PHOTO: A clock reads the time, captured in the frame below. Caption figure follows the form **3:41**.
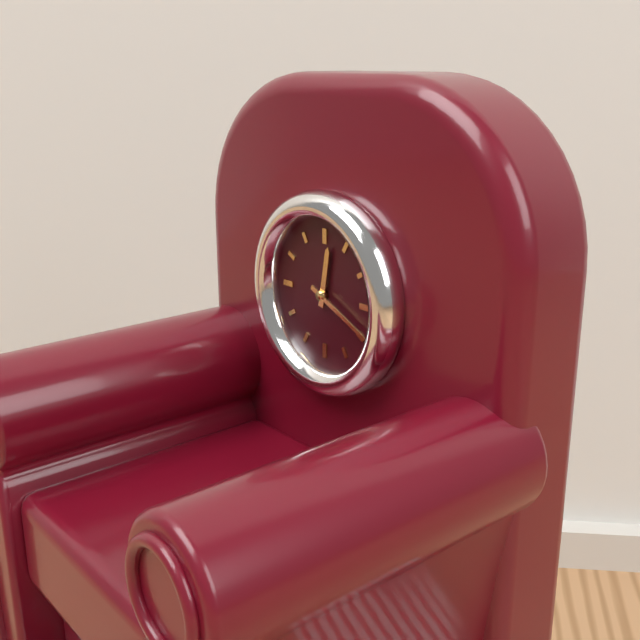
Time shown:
**12:19**
